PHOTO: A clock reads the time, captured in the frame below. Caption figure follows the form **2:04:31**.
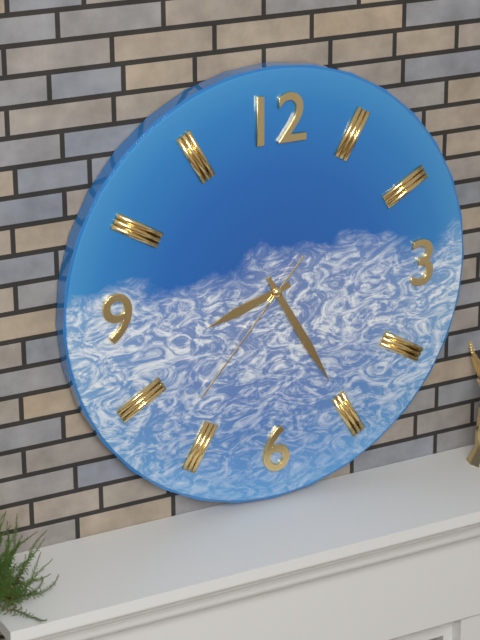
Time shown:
**8:25:37**
